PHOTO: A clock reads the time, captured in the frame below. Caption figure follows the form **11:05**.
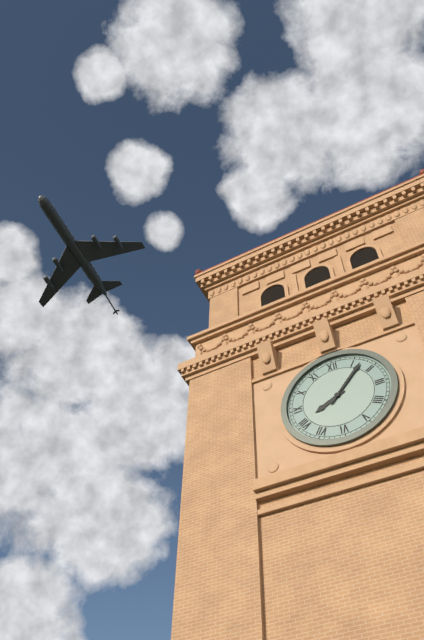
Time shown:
**8:07**
